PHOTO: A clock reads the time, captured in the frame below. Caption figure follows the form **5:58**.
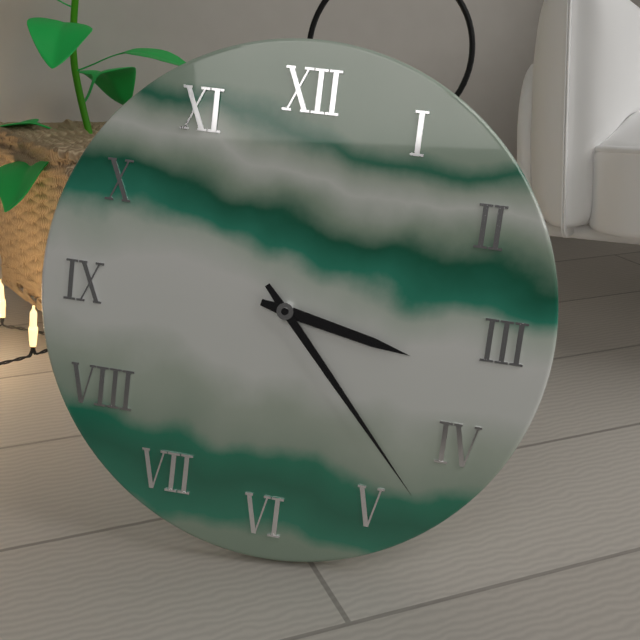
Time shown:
**3:23**
